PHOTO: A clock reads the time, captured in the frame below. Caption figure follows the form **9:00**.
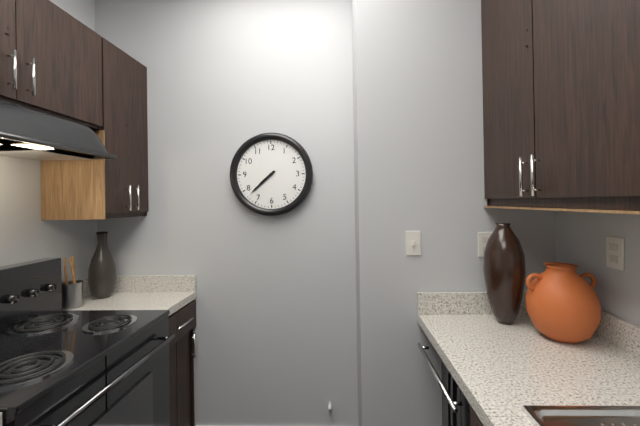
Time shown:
**7:38**
